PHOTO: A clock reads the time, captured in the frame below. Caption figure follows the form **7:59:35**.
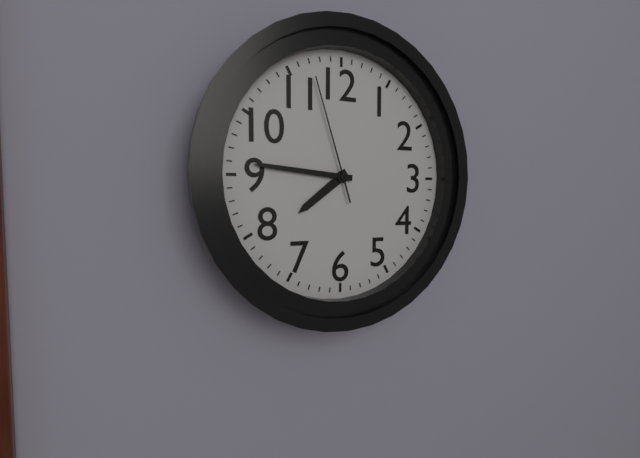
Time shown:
**7:46:57**
